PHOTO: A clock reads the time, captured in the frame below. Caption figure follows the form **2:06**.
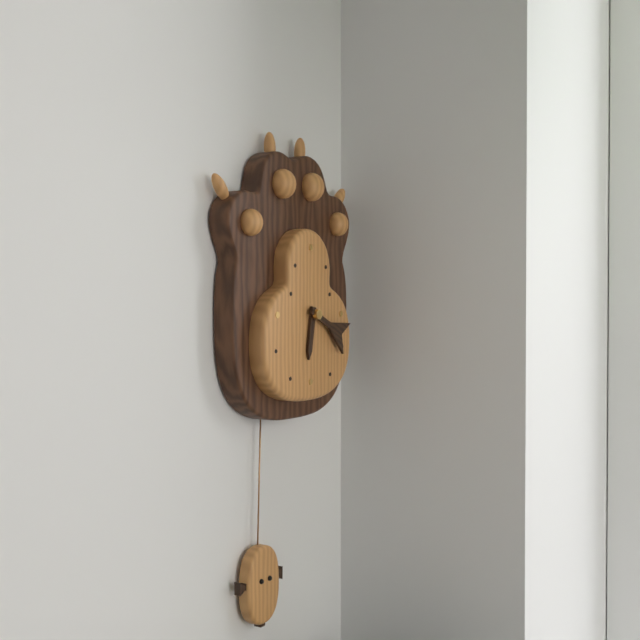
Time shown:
**6:19**
